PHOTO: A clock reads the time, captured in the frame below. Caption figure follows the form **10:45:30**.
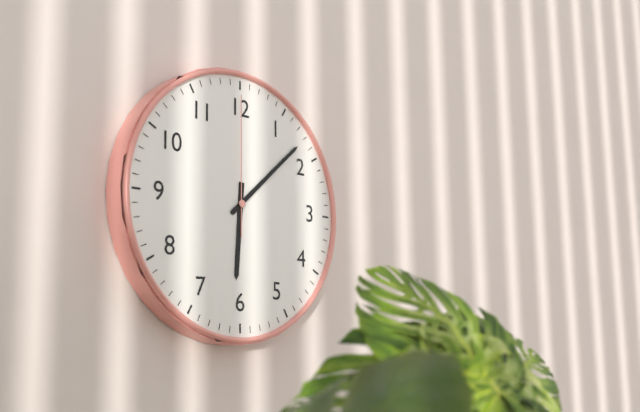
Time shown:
**6:08:00**
